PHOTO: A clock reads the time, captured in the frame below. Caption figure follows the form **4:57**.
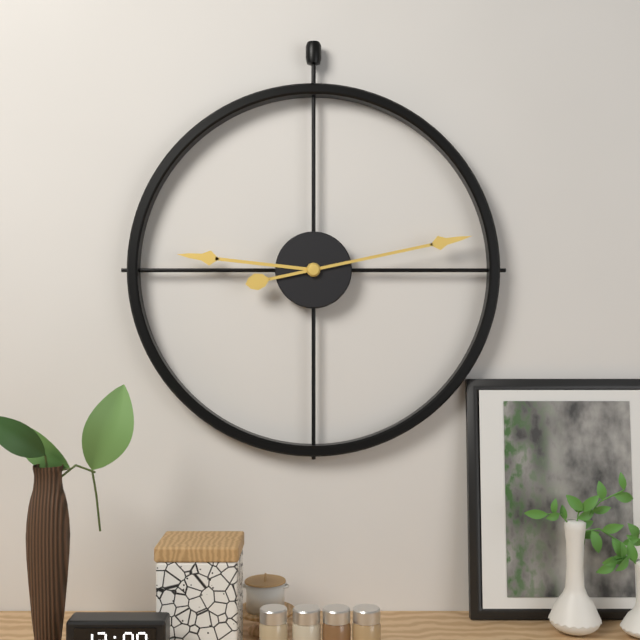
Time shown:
**9:13**
